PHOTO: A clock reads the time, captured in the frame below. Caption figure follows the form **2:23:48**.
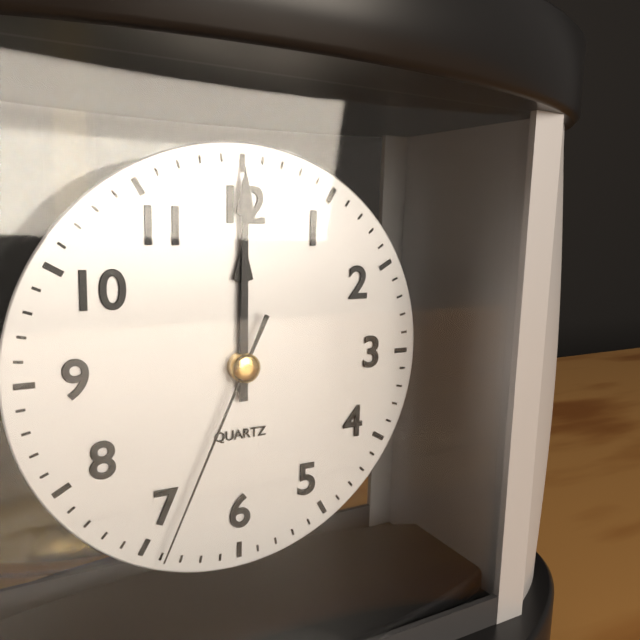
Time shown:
**12:00:34**
